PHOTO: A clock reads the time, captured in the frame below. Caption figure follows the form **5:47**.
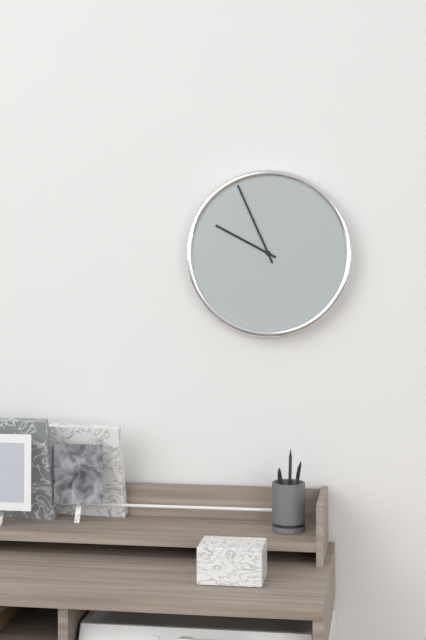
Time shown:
**9:56**
